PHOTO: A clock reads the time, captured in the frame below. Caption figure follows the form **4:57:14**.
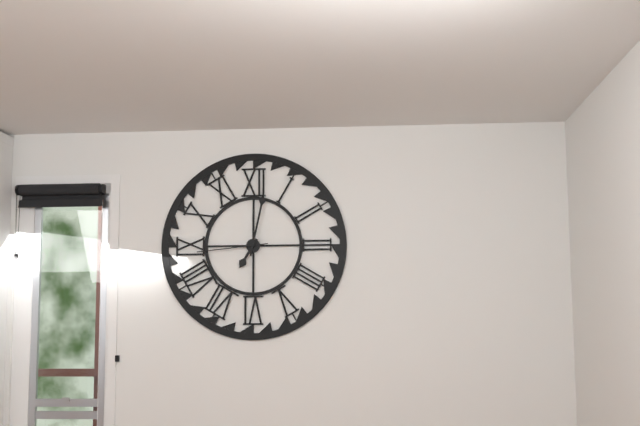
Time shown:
**7:02:44**
